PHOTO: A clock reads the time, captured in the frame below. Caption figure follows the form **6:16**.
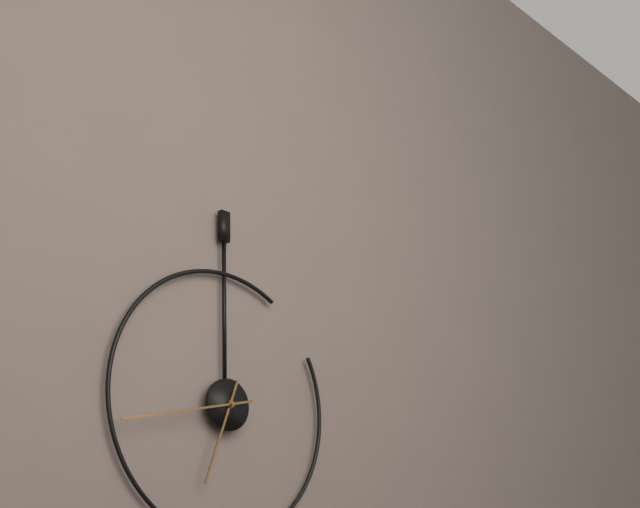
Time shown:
**6:43**
